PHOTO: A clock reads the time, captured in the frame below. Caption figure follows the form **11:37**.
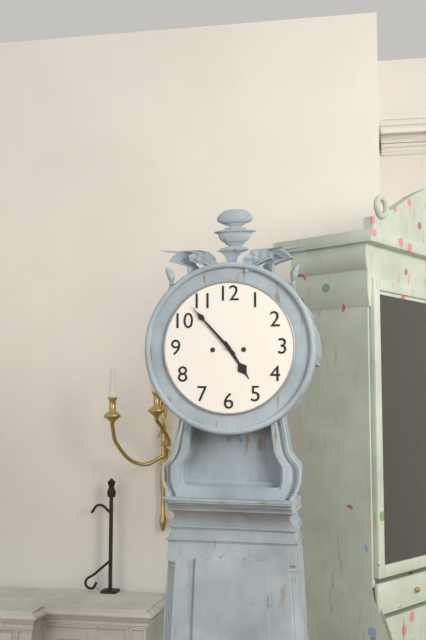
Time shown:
**4:53**
